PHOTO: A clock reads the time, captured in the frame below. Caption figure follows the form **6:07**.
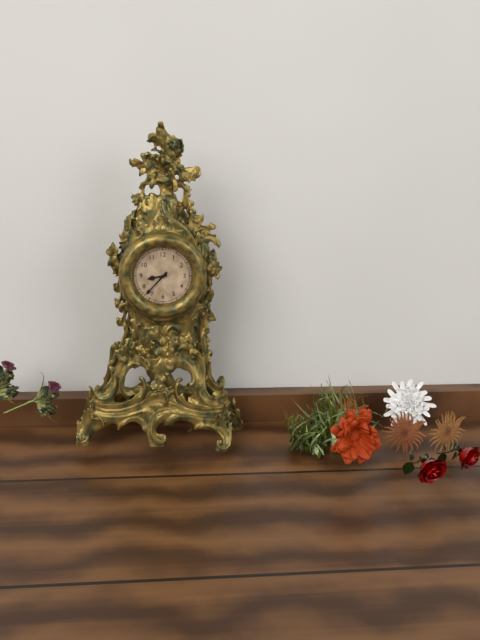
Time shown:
**8:37**
